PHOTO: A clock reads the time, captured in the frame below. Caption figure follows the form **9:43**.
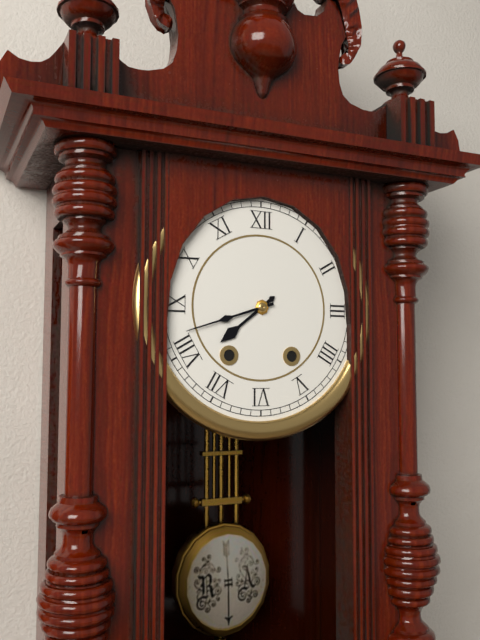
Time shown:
**7:42**
